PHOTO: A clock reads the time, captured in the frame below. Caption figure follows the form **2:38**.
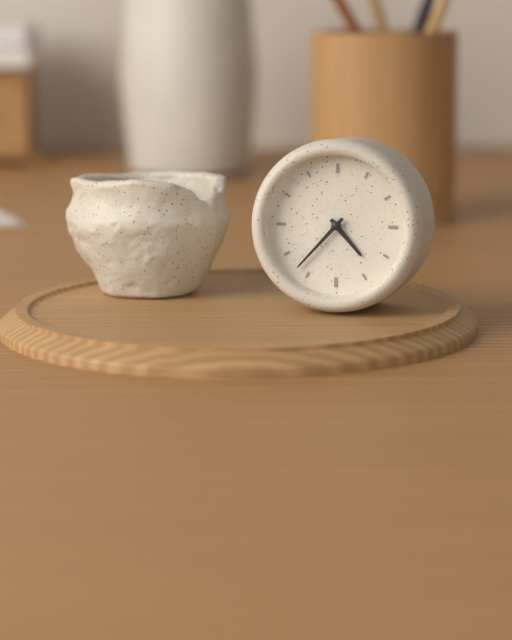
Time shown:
**4:37**
